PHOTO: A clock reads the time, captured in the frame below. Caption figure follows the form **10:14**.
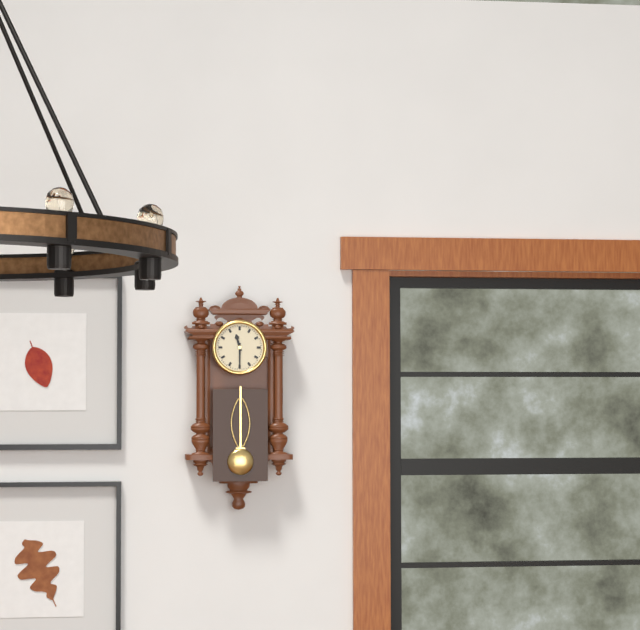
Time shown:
**11:30**
